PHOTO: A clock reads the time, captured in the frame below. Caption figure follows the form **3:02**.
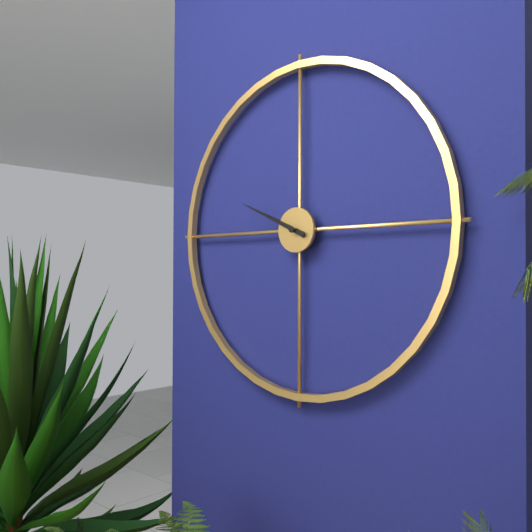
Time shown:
**9:49**
